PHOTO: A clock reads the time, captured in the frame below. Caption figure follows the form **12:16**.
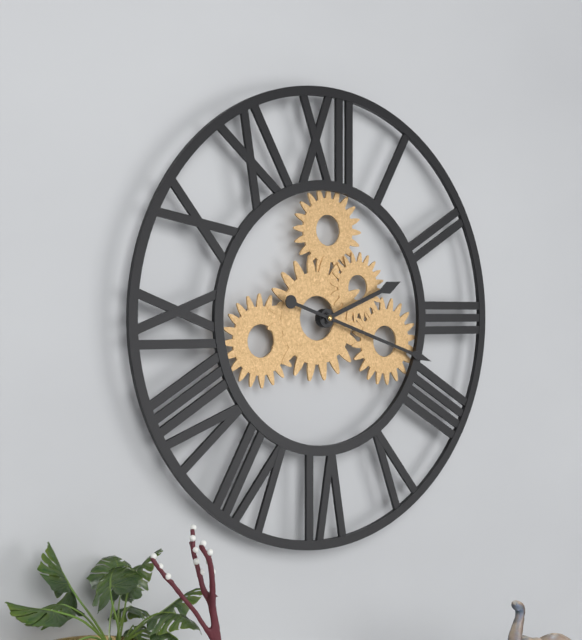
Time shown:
**2:18**
